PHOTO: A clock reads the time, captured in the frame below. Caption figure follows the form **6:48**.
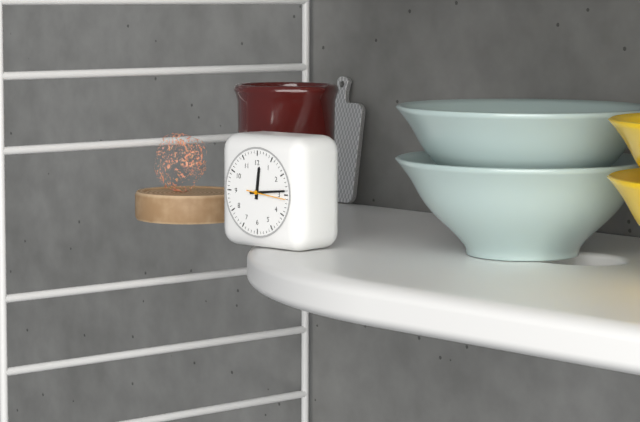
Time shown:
**12:14**
